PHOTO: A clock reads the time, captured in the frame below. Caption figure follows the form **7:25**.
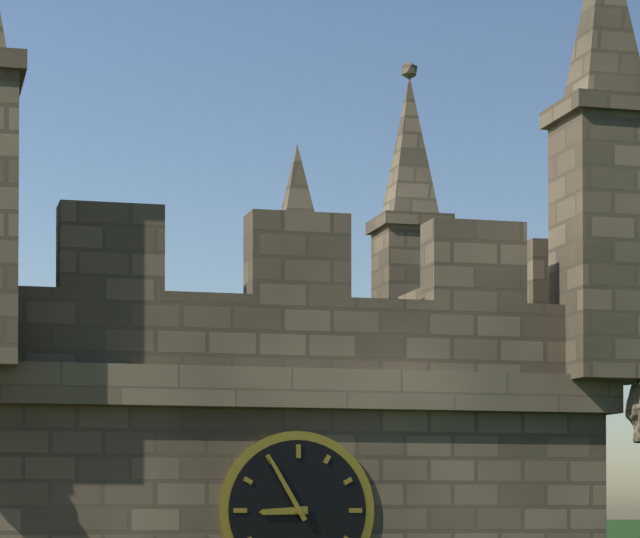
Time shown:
**8:55**
